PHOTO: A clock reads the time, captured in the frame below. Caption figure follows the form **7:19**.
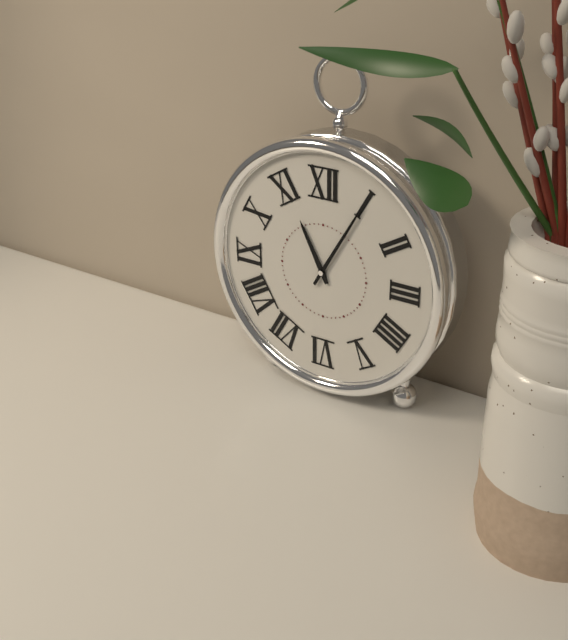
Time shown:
**11:05**
